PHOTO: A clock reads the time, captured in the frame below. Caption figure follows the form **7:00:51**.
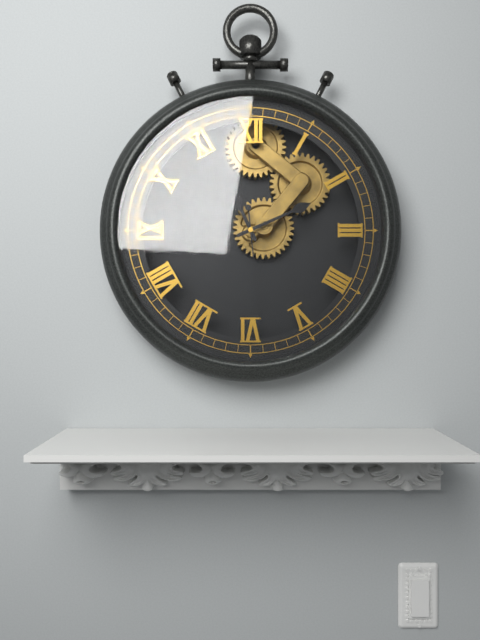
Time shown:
**11:11:29**
